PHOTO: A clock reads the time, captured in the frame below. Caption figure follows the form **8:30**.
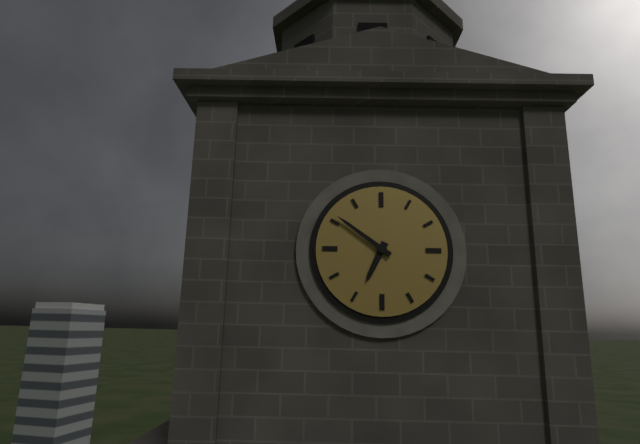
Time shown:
**6:51**
